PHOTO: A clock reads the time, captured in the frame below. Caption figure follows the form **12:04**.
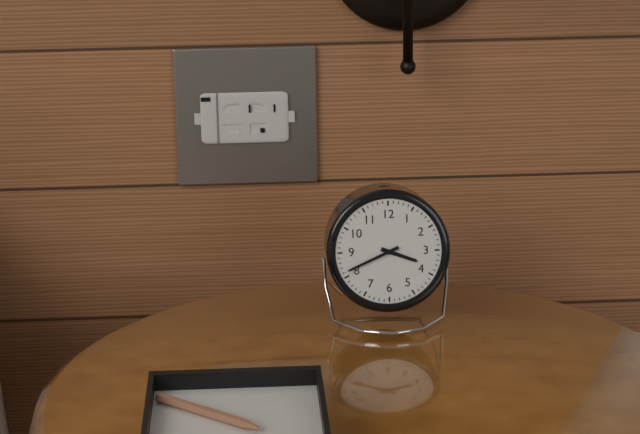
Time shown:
**3:41**
